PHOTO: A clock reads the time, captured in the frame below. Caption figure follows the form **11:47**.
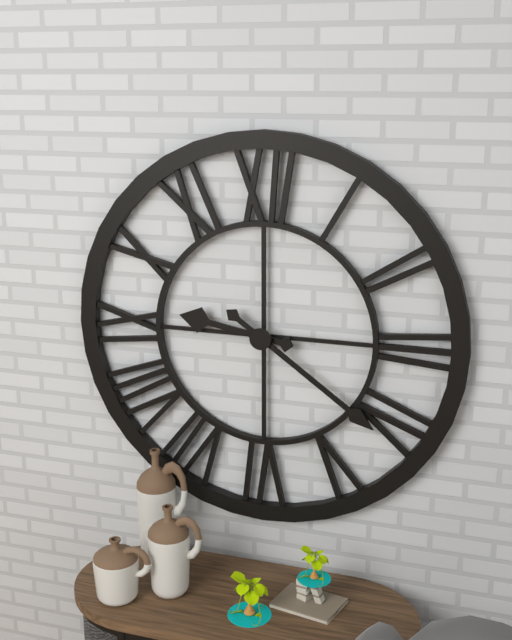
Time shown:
**9:21**
